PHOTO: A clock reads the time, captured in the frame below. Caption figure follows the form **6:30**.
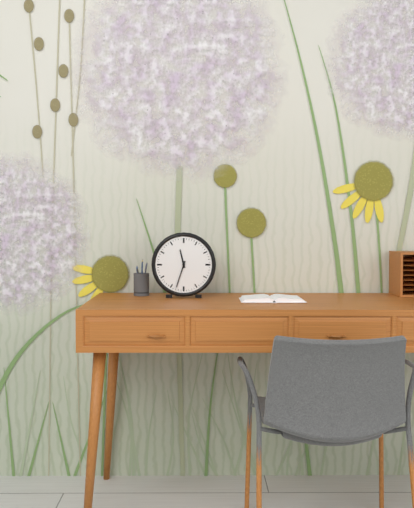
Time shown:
**11:33**
